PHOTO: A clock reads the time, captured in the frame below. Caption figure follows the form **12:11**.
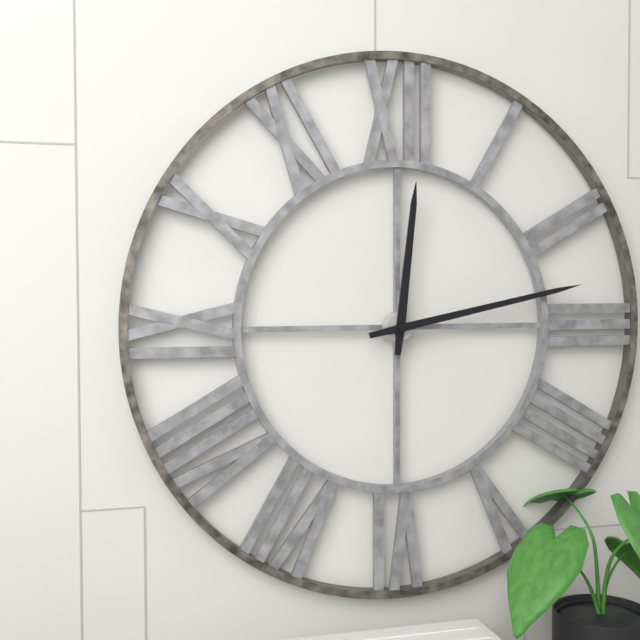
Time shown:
**12:13**
